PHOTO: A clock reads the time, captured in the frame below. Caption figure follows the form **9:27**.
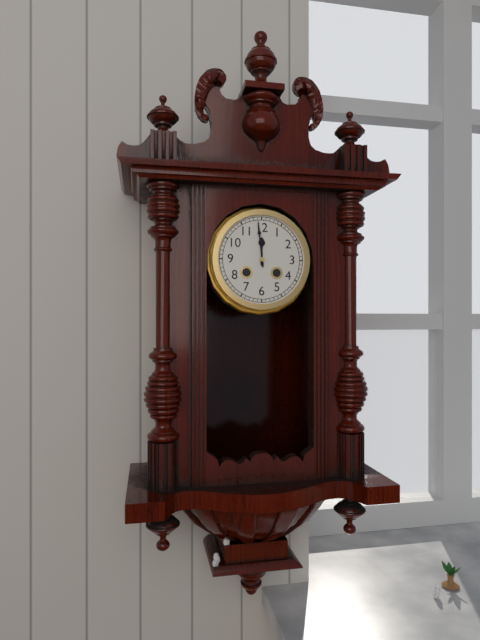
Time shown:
**11:59**
